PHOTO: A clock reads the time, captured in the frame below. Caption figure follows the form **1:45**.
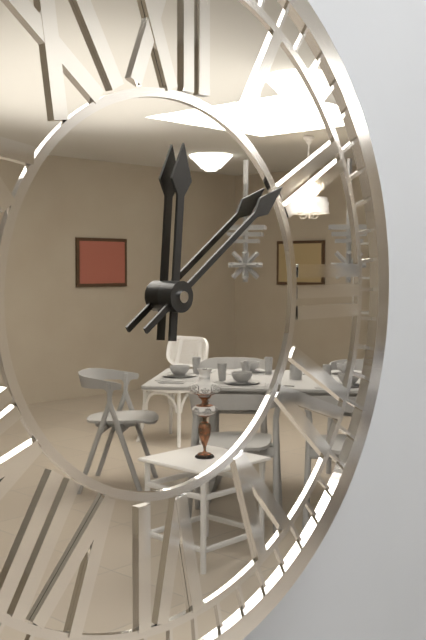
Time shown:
**12:09**
